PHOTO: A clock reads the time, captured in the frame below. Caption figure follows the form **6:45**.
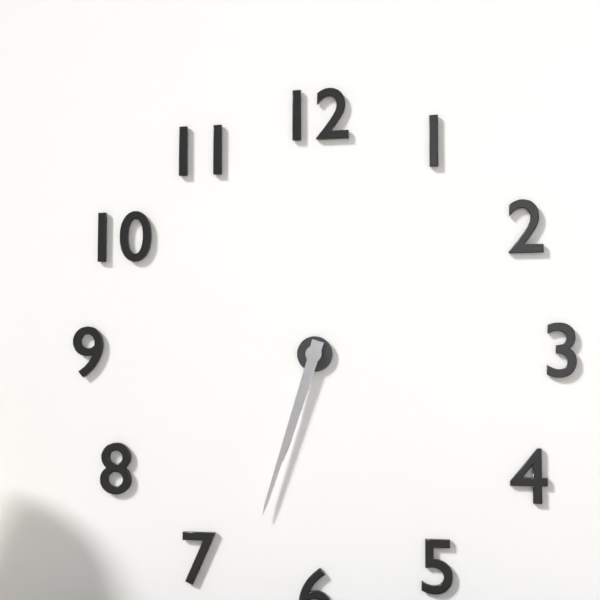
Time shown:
**6:33**
